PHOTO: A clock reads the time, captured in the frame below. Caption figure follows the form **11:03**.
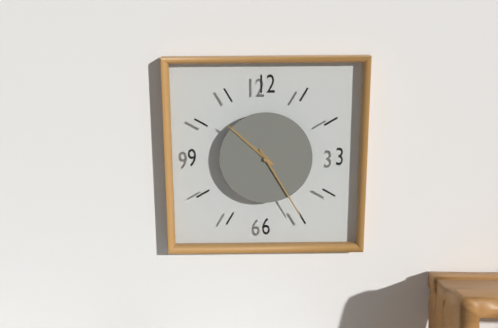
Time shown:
**10:25**
